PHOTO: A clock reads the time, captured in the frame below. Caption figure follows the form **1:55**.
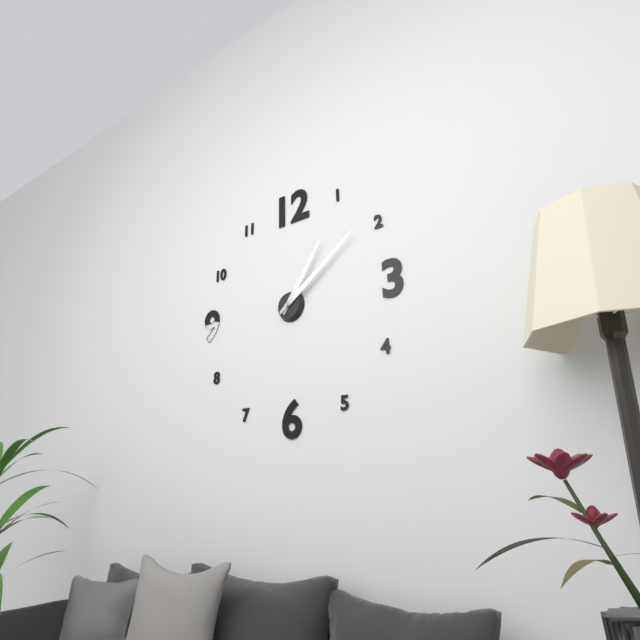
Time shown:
**1:09**
